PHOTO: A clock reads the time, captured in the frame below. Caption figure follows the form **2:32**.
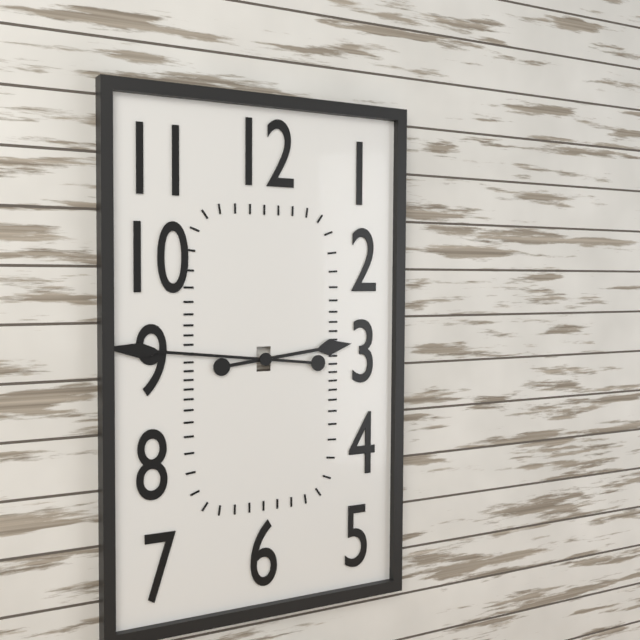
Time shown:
**2:46**
